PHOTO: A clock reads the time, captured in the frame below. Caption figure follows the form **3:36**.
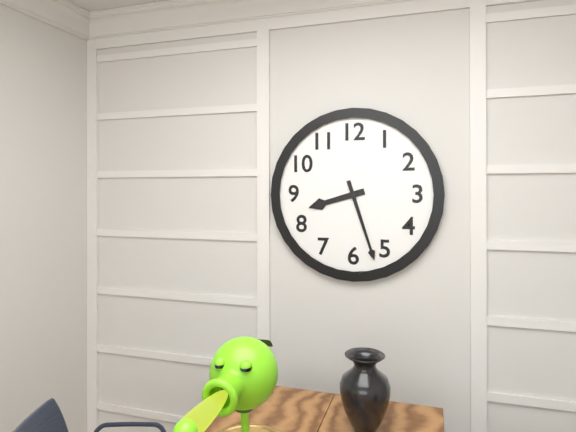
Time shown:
**8:27**
